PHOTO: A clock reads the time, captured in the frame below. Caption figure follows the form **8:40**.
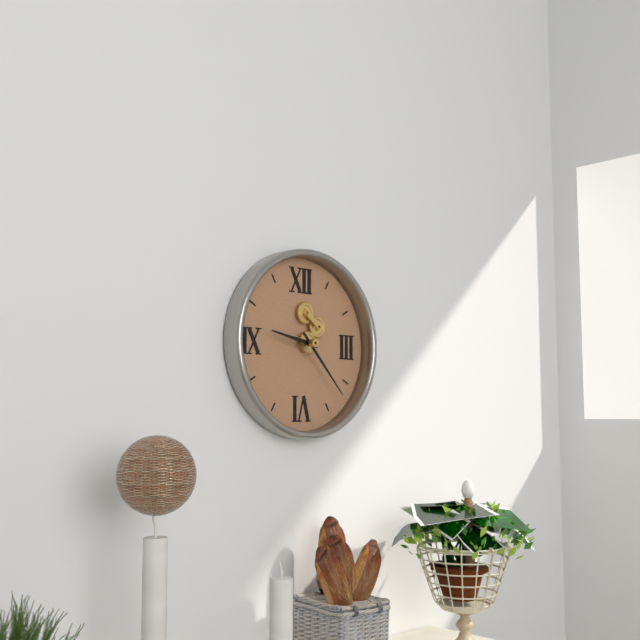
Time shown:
**9:23**
